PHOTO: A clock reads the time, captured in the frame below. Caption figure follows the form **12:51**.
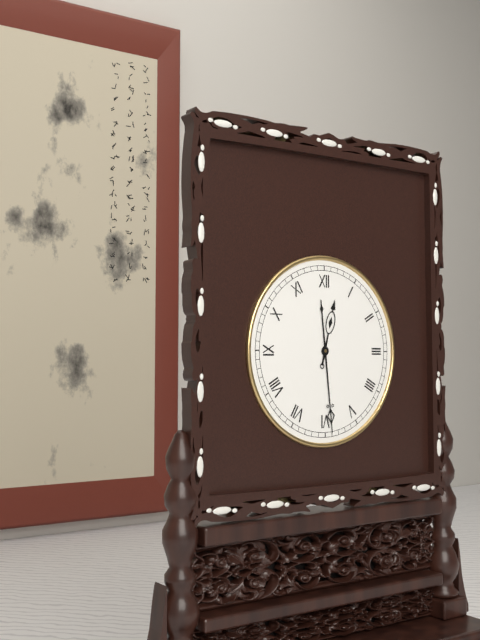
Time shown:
**12:29**
